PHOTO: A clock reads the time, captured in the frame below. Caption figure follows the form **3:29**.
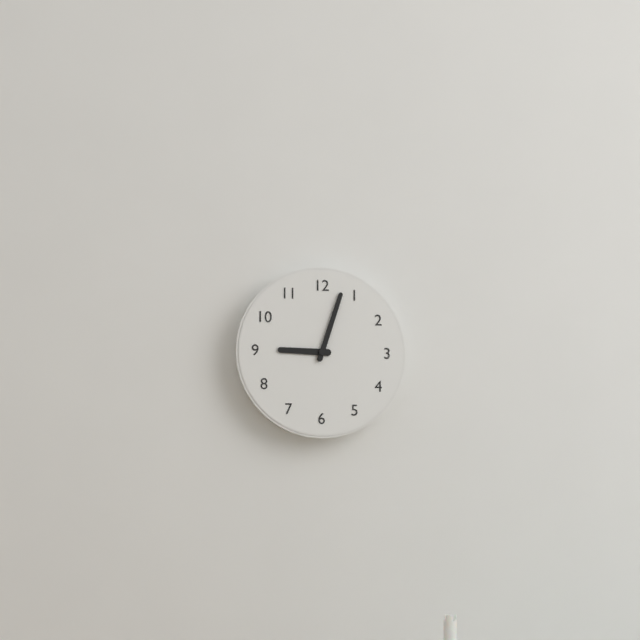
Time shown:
**9:03**
